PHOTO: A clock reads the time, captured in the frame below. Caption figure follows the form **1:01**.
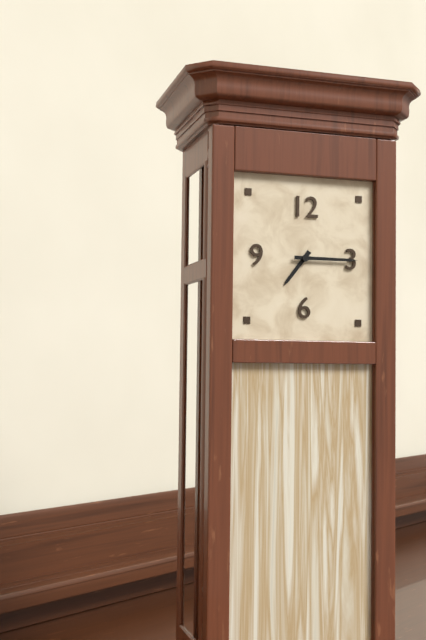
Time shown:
**7:15**
